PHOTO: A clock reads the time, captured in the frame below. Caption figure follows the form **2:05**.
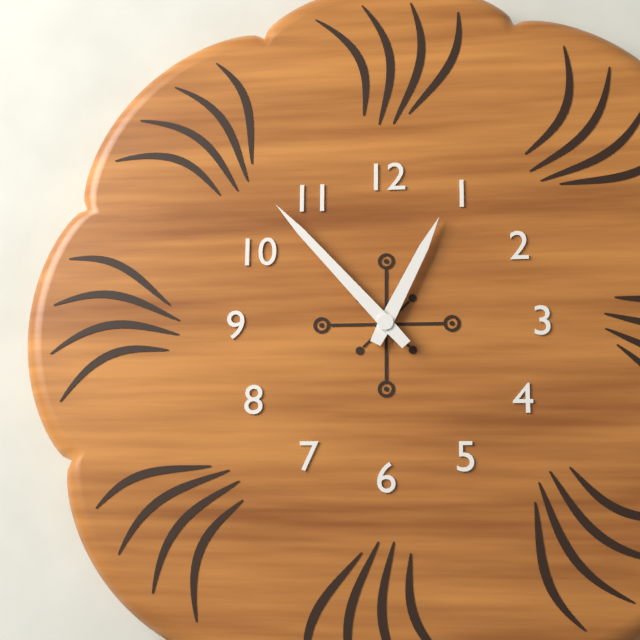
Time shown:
**12:53**
